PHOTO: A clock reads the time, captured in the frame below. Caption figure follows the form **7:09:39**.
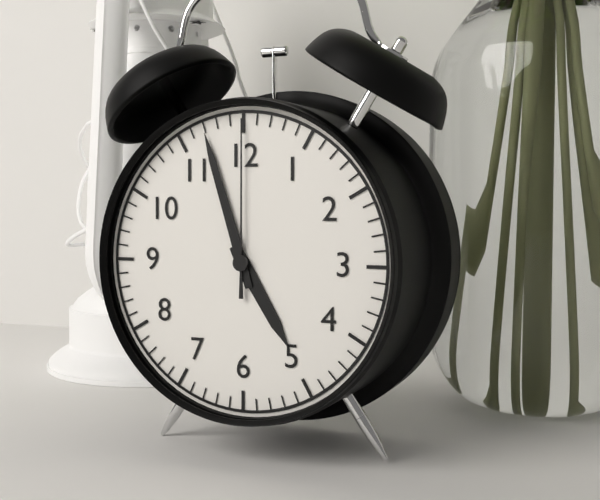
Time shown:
**4:57:00**
